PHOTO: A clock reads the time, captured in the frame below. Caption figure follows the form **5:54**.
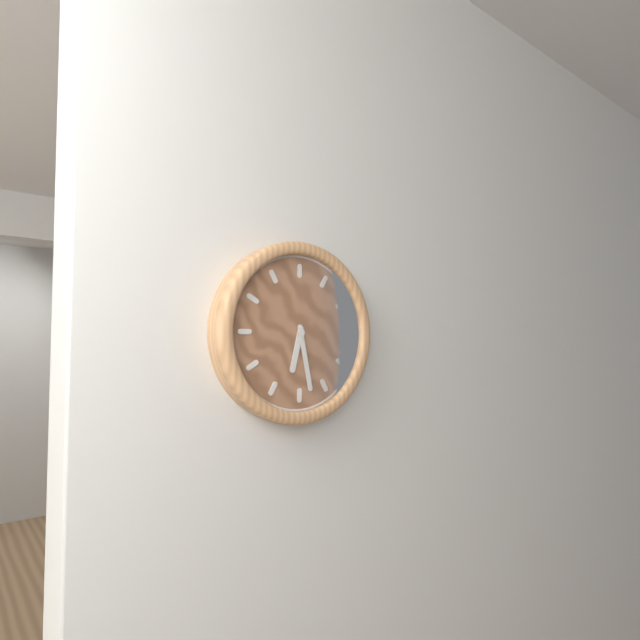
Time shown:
**6:28**
